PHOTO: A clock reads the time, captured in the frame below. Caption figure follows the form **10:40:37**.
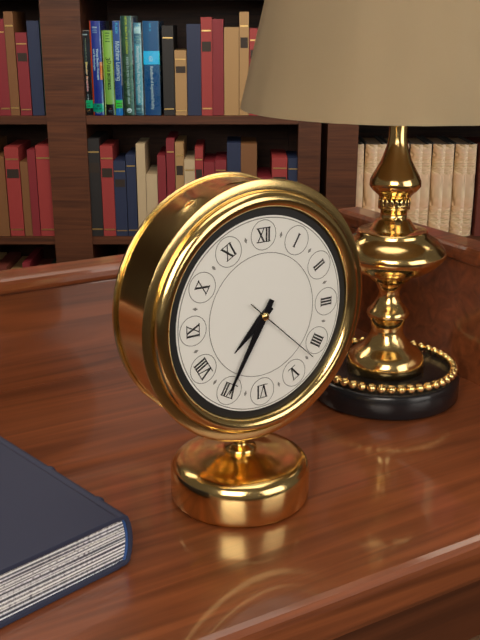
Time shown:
**7:35:22**
